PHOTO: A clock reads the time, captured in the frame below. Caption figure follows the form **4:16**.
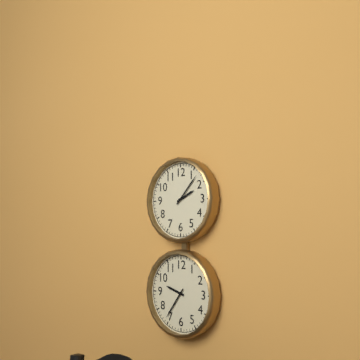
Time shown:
**2:07**
